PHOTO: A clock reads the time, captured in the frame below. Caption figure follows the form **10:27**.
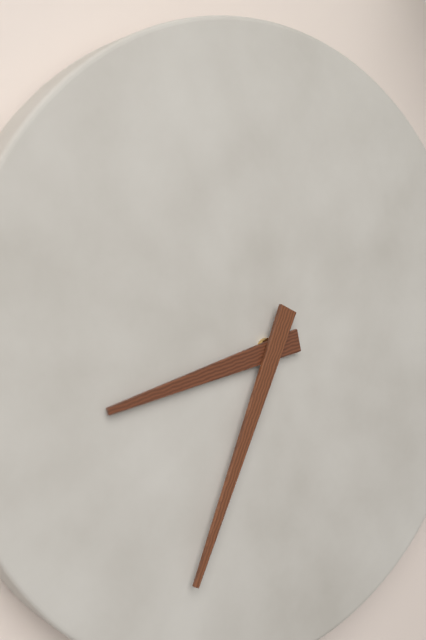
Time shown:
**8:34**
